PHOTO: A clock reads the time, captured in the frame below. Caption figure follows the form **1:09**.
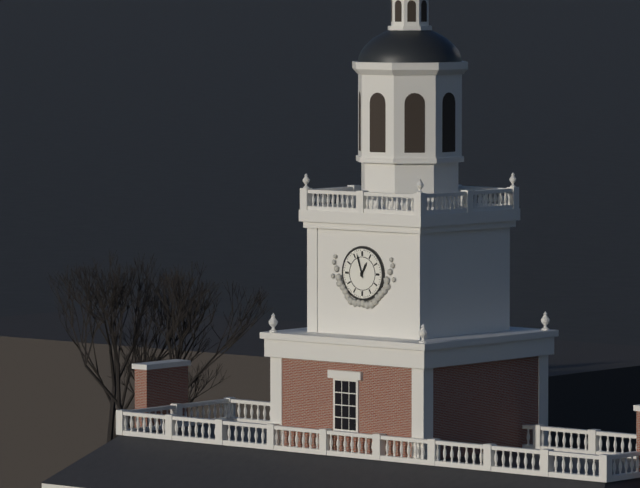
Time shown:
**12:57**
